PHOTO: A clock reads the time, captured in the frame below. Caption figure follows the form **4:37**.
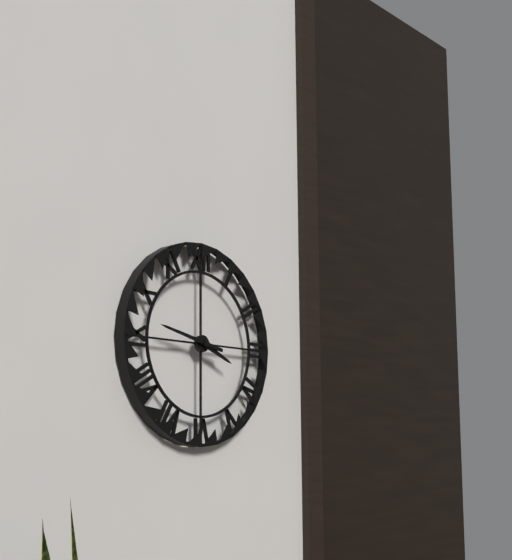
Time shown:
**3:47**
